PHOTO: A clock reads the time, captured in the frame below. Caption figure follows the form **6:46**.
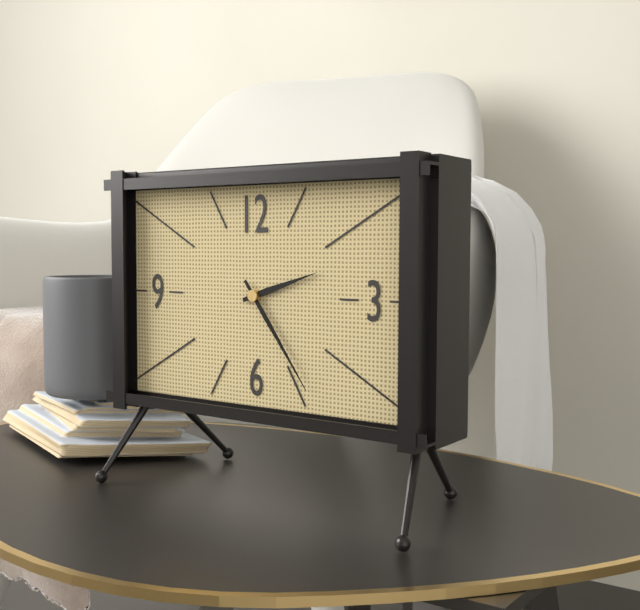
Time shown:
**2:24**
